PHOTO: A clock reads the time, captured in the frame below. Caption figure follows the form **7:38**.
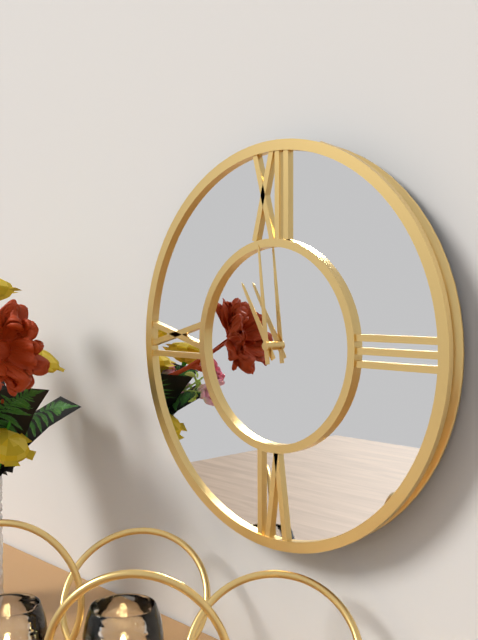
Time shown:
**10:59**
